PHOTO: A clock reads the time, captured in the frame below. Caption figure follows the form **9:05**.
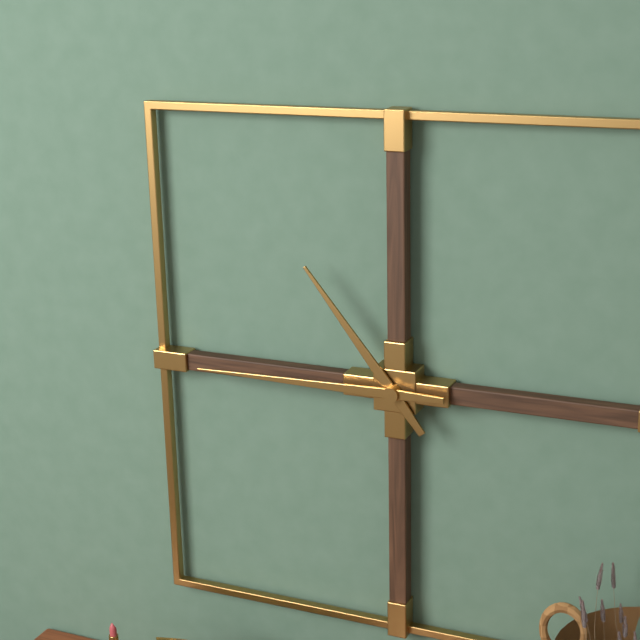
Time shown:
**10:45**
